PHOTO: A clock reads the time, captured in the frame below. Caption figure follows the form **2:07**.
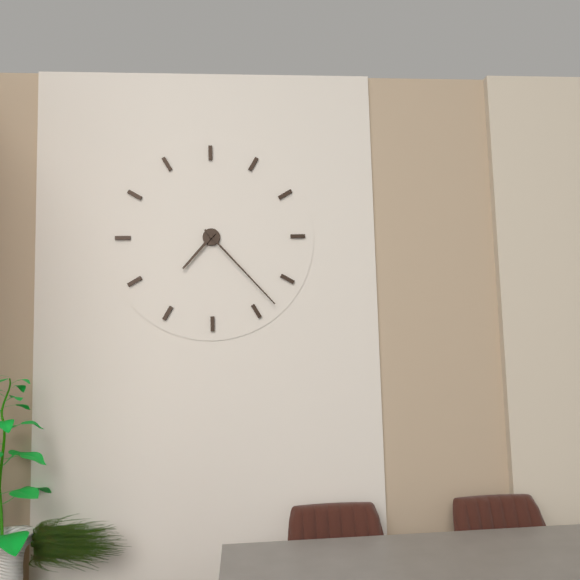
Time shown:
**7:23**
